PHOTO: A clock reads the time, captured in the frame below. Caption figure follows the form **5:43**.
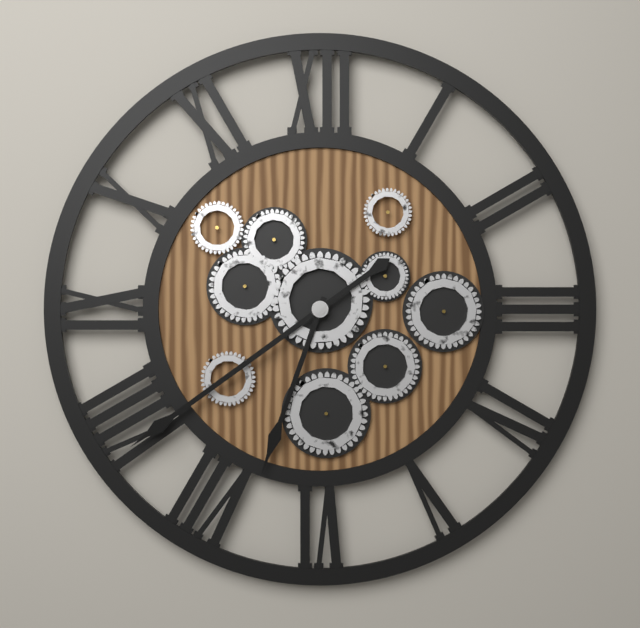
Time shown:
**6:39**
